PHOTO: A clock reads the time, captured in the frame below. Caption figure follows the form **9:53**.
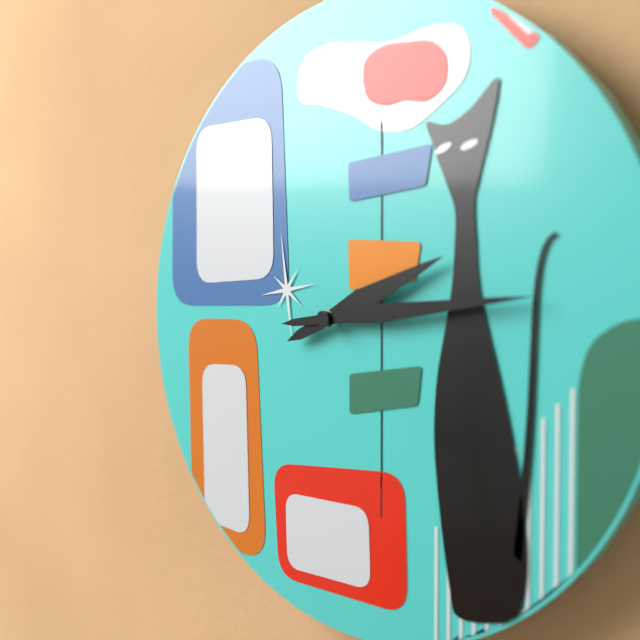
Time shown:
**2:14**
